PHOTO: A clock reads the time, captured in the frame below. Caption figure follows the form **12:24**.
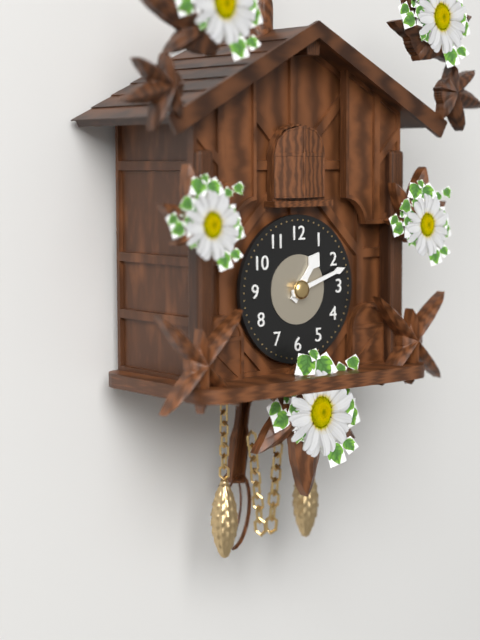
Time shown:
**1:12**
